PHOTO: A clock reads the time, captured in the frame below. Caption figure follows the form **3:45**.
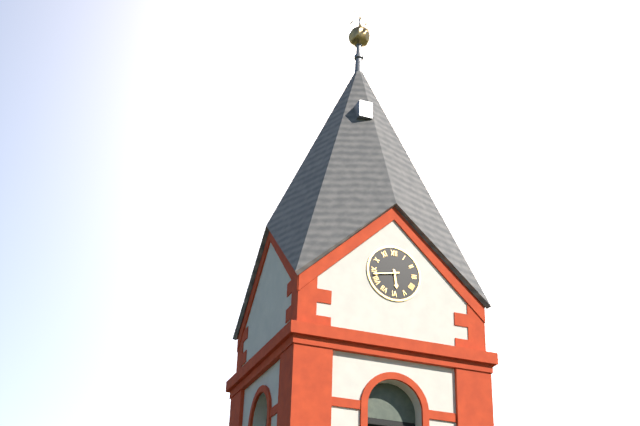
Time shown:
**5:43**
